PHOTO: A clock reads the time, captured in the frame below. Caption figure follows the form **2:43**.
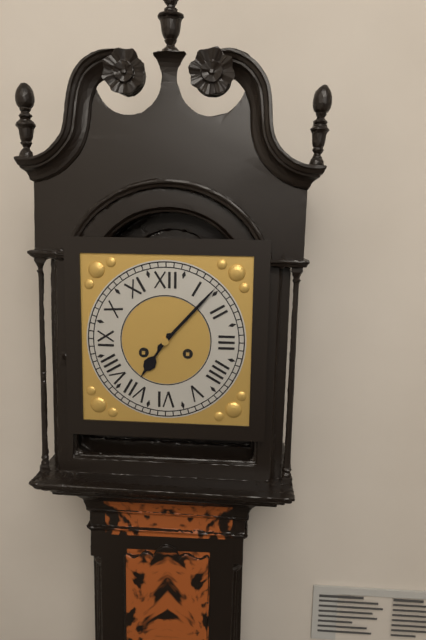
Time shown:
**7:07**
